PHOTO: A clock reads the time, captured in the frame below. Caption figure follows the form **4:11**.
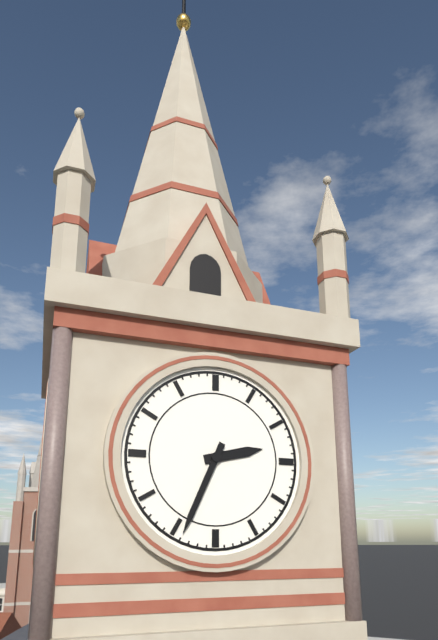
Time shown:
**2:34**
